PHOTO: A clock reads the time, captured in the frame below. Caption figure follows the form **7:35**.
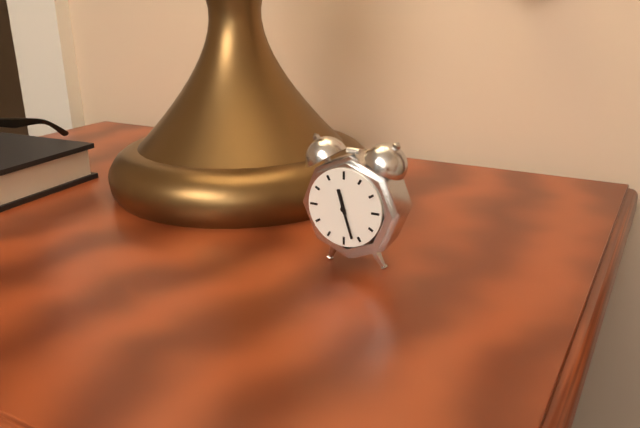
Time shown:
**11:27**
